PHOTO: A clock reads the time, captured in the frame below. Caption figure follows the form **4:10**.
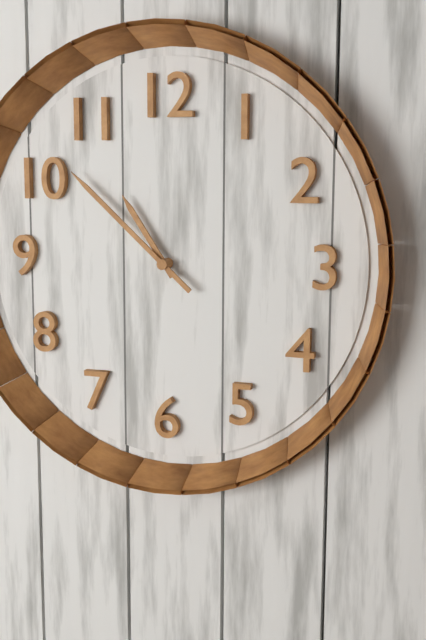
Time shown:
**10:52**
